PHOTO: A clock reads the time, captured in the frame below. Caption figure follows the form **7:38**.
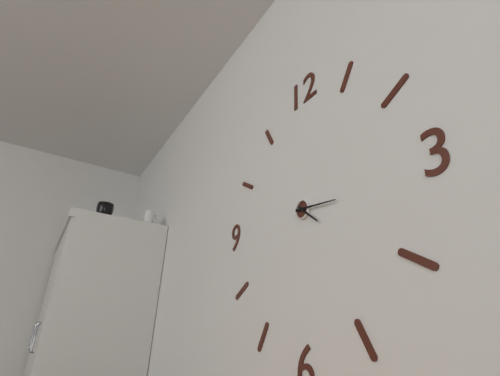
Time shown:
**4:16**
